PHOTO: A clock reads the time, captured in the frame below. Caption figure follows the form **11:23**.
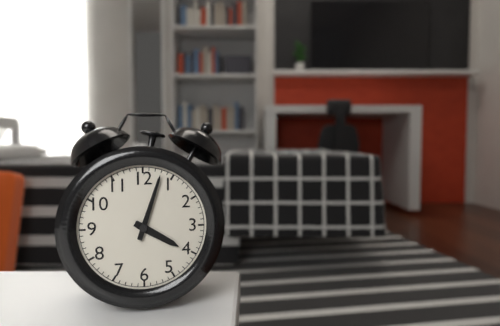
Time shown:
**4:03**
